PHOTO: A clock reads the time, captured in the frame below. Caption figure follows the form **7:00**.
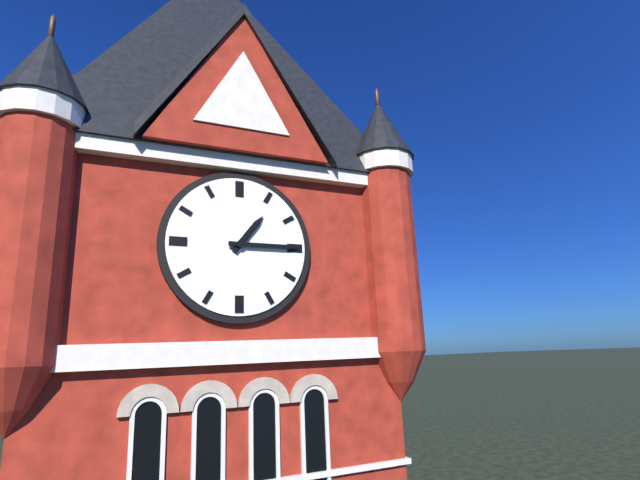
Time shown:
**1:15**
